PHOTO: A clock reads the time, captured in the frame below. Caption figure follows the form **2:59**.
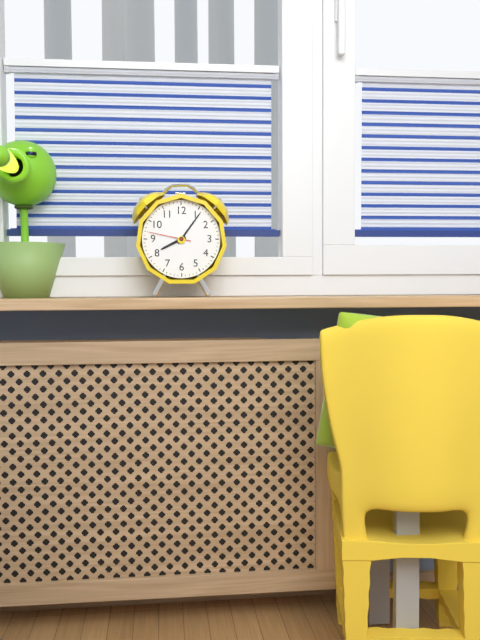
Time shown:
**8:06**
